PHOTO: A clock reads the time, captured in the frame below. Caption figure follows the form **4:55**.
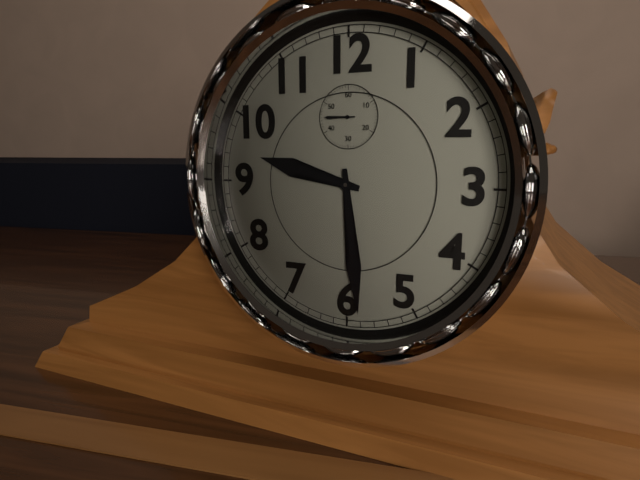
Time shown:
**9:29**
